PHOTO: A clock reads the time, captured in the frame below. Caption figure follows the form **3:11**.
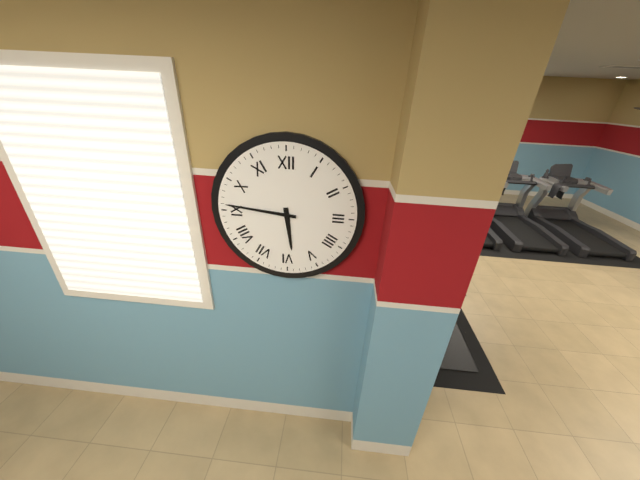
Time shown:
**5:46**
